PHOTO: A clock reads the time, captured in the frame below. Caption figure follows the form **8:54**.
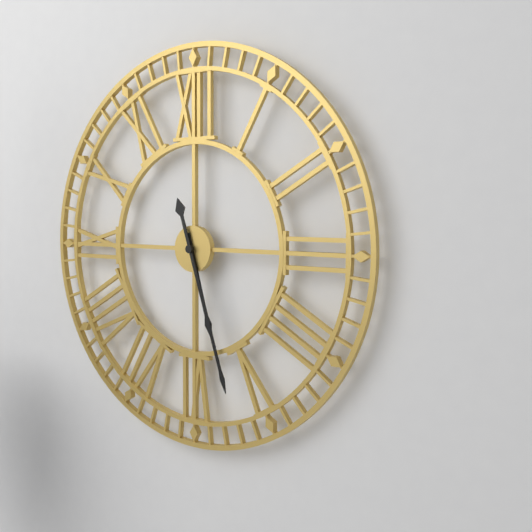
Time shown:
**5:27**
